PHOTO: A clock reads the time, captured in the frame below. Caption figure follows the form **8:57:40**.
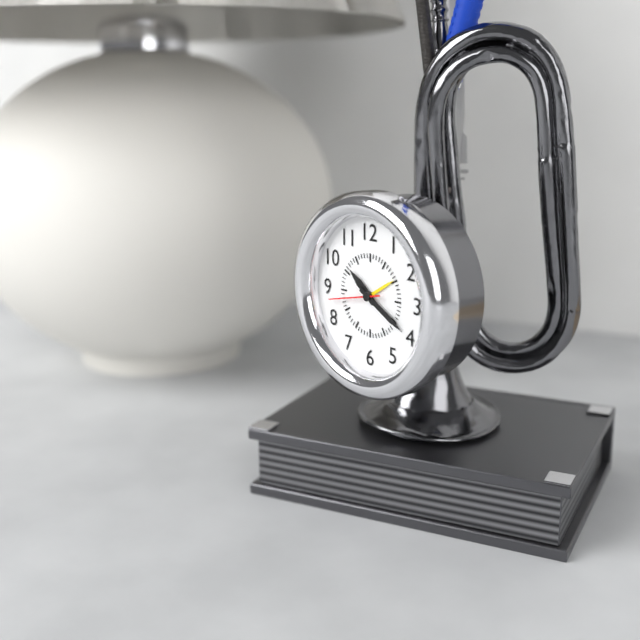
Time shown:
**10:20:43**
